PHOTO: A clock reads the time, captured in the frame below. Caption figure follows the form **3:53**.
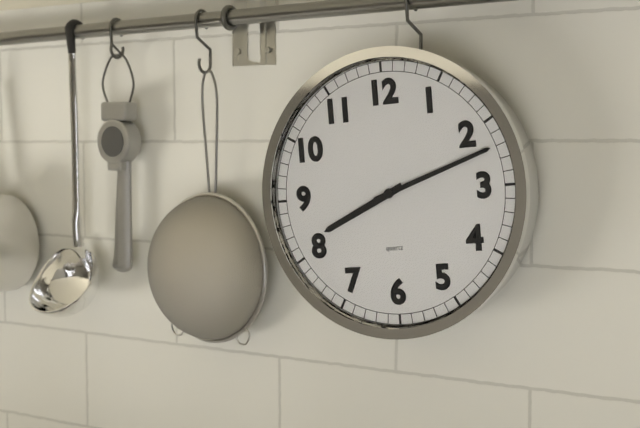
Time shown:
**8:12**
